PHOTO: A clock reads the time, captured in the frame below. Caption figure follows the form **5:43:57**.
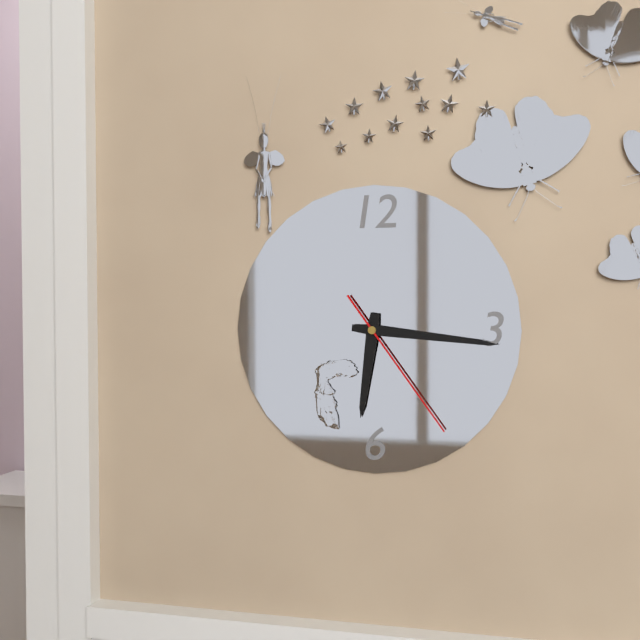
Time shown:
**6:16:24**
